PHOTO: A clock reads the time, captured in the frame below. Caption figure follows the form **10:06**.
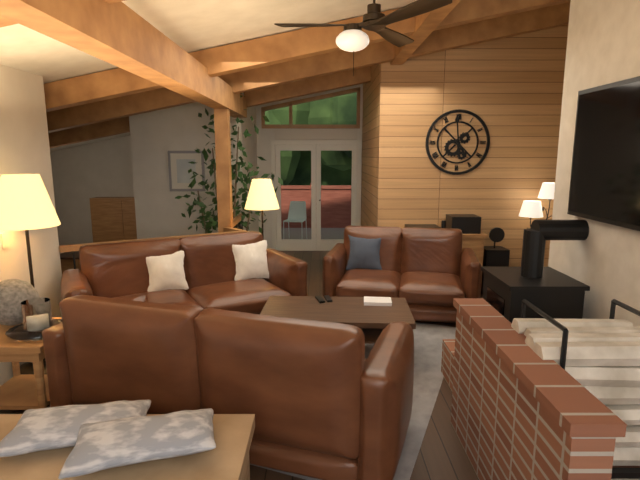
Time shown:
**4:59**
